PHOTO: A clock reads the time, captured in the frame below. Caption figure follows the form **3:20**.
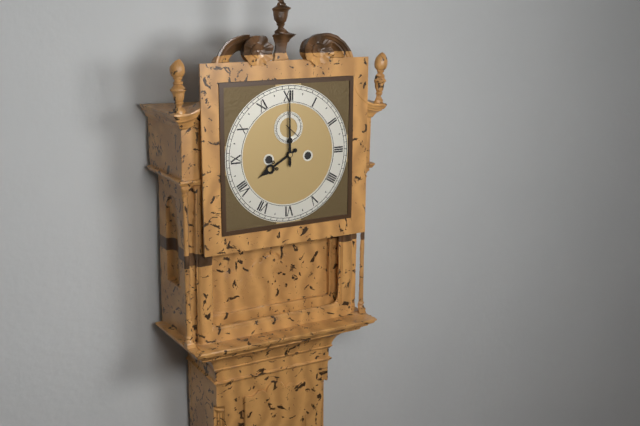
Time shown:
**8:00**
